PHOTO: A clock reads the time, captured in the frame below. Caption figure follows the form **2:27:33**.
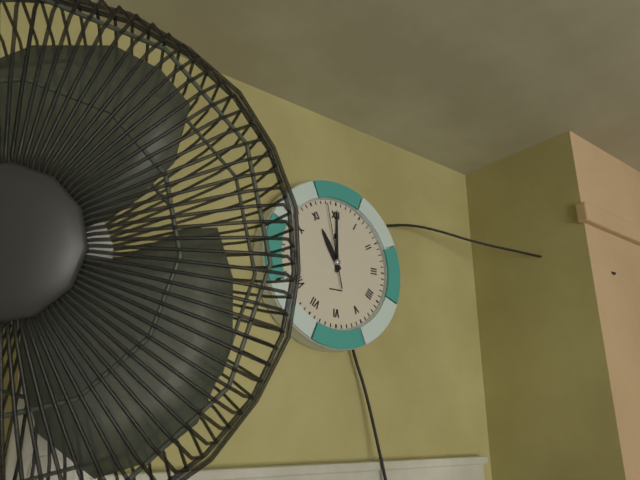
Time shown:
**11:00:58**
